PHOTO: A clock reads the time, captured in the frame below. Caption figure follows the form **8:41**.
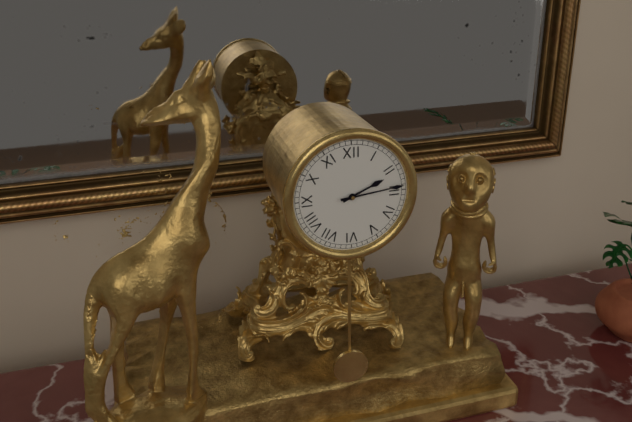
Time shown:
**2:14**
